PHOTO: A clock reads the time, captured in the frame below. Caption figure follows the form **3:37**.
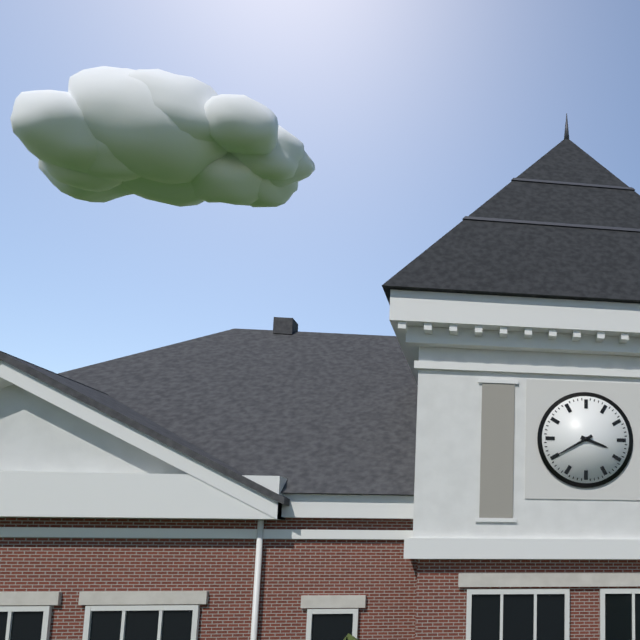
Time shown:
**3:40**
